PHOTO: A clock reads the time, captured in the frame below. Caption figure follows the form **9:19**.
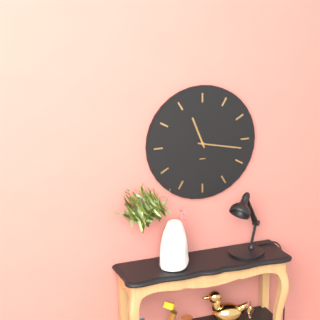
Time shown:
**11:17**
